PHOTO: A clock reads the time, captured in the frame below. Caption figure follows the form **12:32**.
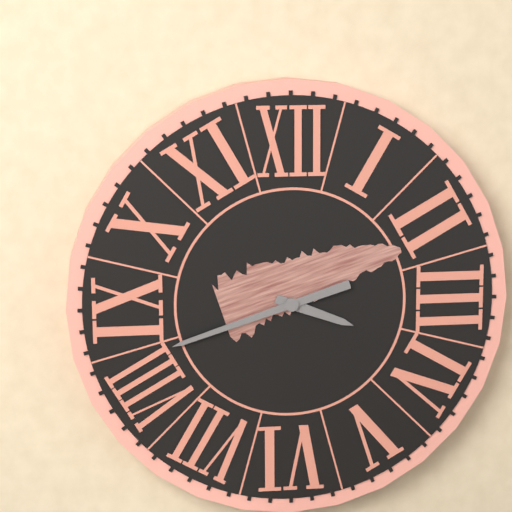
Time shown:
**3:42**
